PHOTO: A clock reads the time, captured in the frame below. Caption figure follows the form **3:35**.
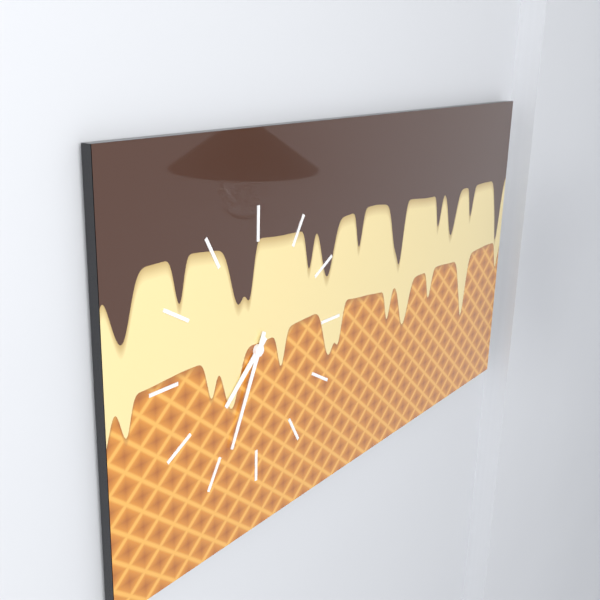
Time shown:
**7:34**
